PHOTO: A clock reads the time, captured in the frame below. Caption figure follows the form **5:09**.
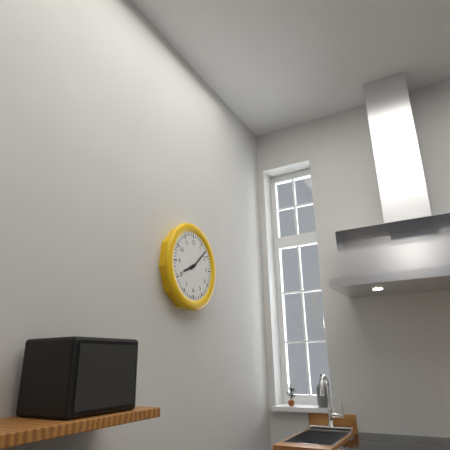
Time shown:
**8:08**
